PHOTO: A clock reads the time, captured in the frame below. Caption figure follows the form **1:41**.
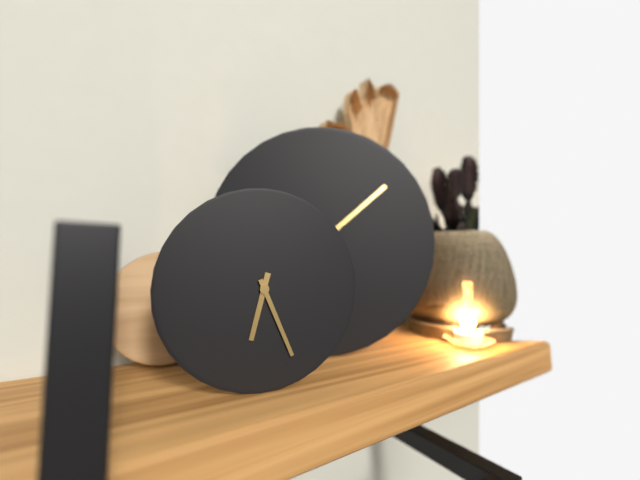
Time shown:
**6:26**
